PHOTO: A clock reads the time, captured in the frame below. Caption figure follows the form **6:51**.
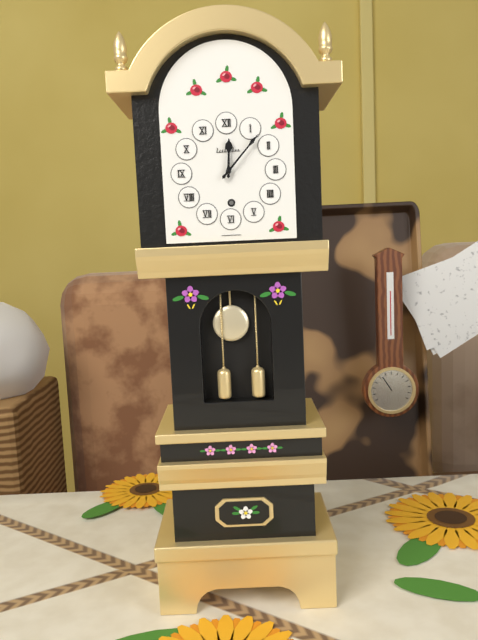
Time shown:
**12:07**
